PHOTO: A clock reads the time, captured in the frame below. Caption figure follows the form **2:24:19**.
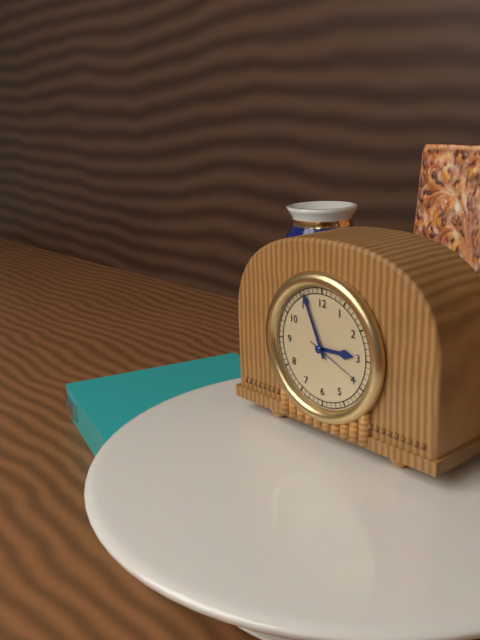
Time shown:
**2:56:19**
